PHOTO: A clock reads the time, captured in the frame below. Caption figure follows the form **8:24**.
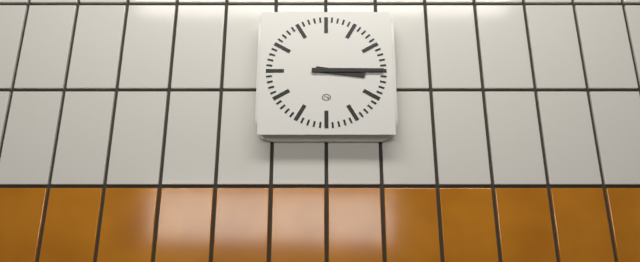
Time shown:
**3:15**
